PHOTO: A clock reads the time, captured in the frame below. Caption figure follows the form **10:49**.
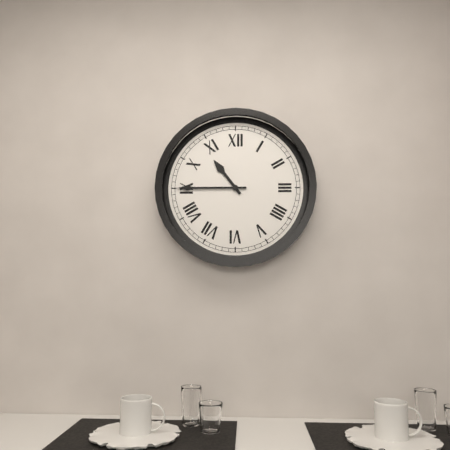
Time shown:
**10:45**
